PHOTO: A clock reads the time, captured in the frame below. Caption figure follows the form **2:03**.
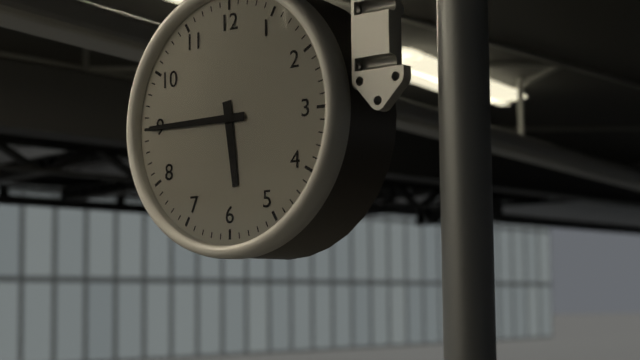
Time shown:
**5:45**
